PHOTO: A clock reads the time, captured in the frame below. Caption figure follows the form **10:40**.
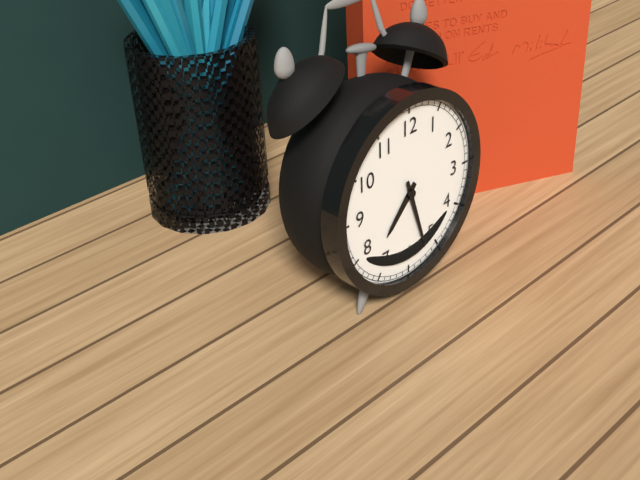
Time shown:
**7:27**
